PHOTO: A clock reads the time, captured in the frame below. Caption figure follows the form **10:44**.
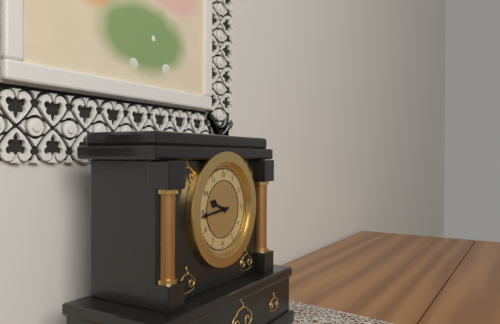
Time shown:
**9:44**
